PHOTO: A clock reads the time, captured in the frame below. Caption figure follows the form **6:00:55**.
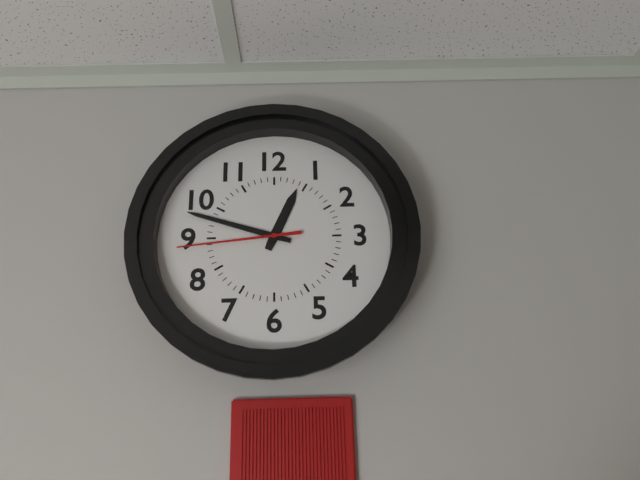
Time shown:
**12:48:44**
